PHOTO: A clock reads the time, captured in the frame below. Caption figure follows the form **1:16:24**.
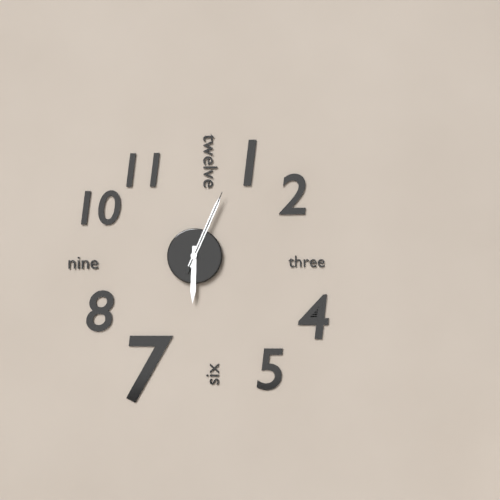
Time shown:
**6:04:04**
